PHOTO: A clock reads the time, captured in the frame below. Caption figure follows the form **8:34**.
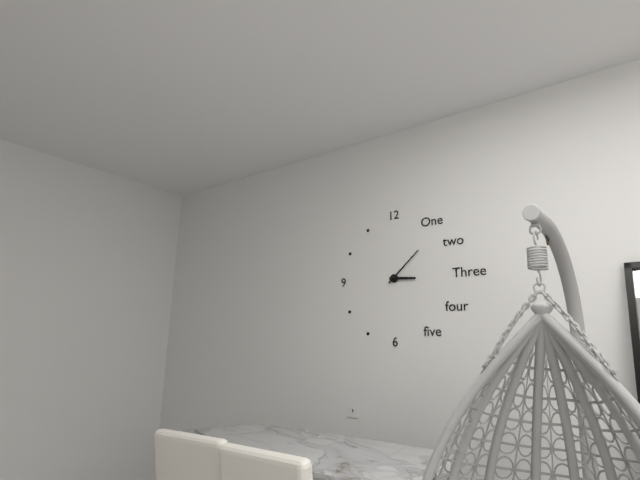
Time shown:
**3:08**
